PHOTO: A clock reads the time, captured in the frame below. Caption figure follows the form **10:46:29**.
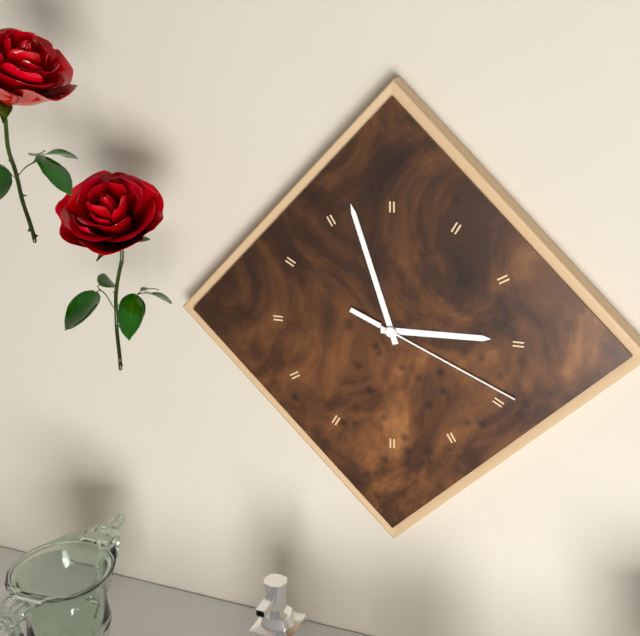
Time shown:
**2:57:19**
